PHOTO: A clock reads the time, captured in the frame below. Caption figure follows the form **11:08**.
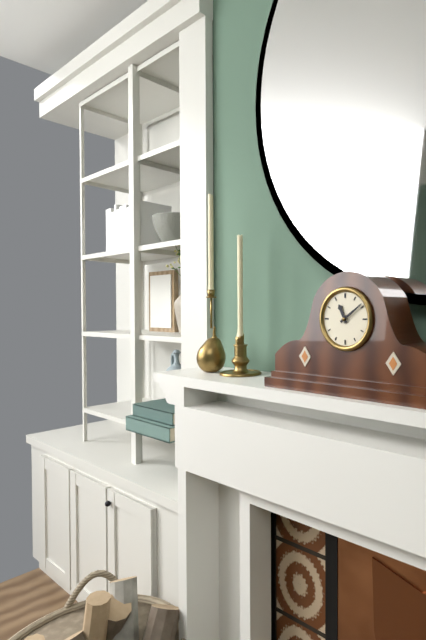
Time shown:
**11:09**
